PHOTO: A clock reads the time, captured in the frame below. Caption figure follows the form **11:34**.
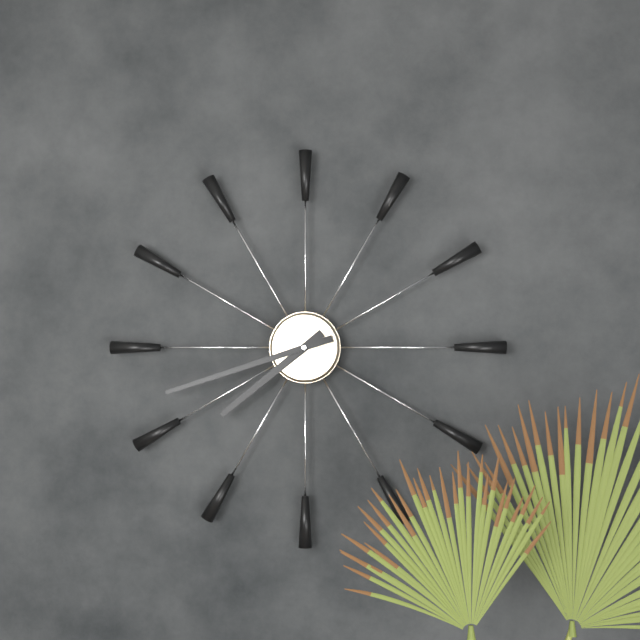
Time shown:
**7:42**
